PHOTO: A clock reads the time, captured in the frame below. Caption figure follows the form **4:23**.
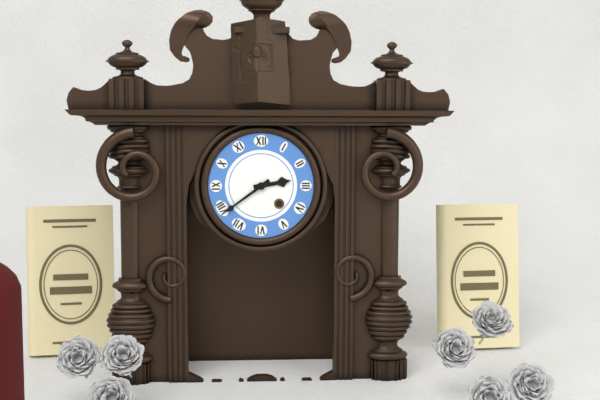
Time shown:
**2:39**
